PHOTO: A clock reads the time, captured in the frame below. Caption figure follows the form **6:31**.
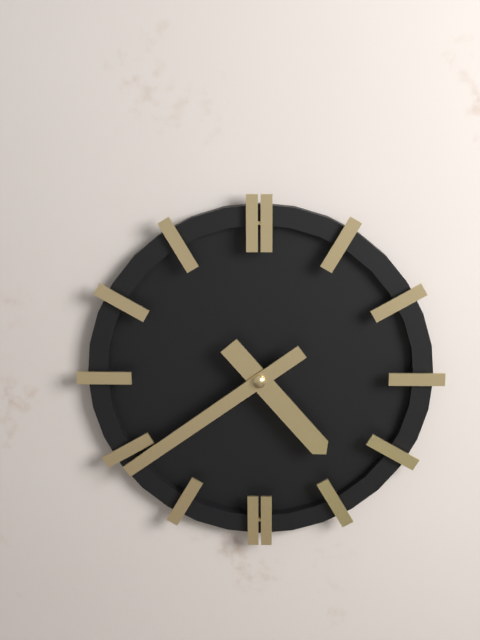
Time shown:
**4:39**
